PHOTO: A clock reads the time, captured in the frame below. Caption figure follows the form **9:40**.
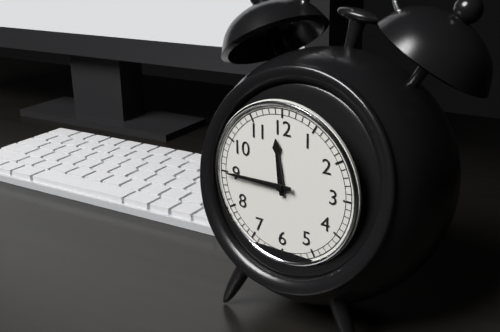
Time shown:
**11:45**
